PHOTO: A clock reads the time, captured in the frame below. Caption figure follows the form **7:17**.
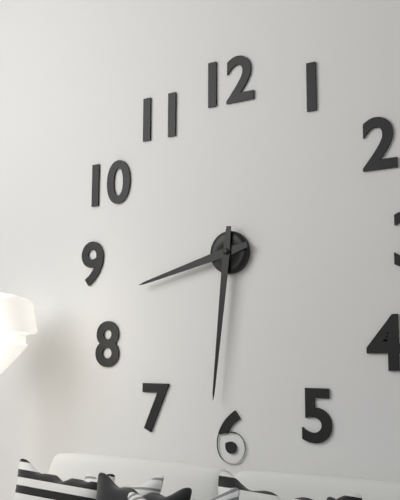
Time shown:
**8:31**
